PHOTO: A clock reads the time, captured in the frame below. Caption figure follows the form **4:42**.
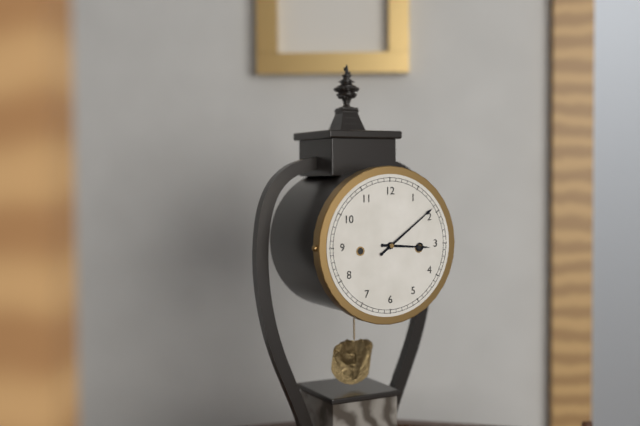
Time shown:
**3:09**
